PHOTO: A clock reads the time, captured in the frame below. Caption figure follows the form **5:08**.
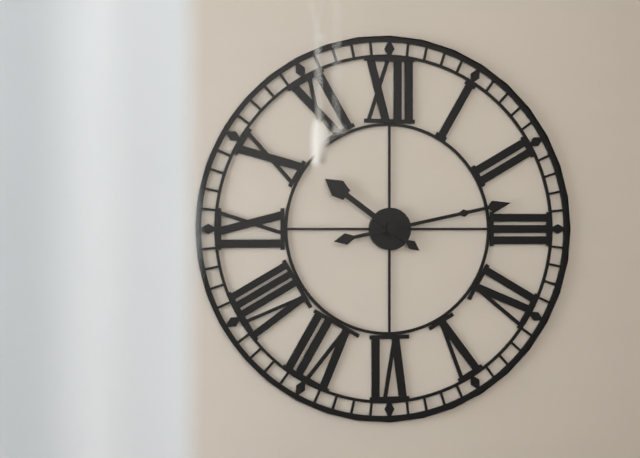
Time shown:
**10:13**
